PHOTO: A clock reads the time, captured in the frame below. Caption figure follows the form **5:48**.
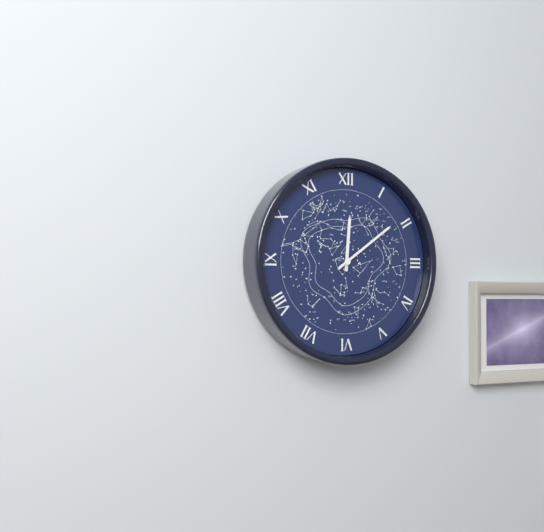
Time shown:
**12:09**
